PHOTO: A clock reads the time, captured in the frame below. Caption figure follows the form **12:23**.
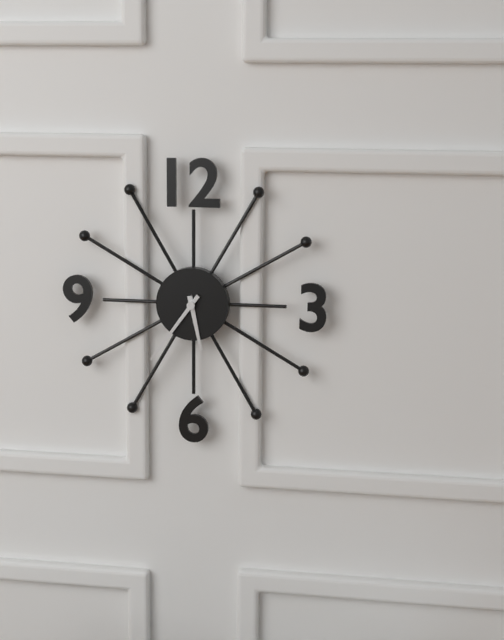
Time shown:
**5:36**
